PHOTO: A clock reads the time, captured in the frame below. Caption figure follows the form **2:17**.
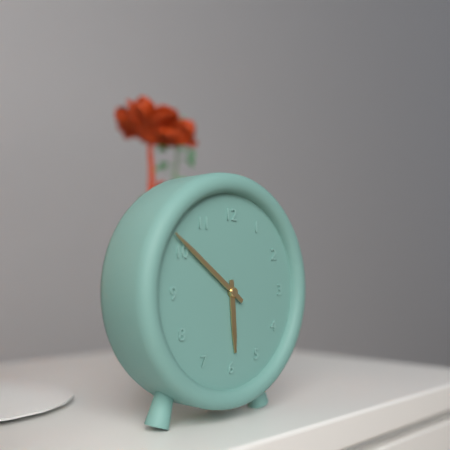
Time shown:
**5:51**
